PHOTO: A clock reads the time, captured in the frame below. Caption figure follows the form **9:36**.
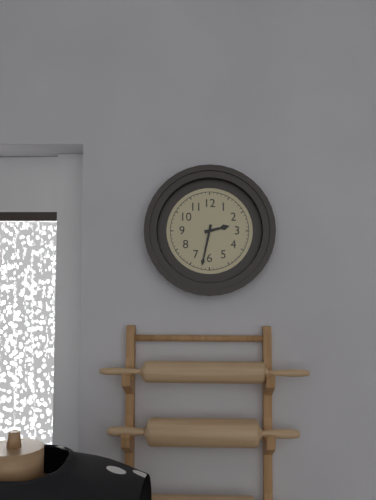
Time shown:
**2:32**
